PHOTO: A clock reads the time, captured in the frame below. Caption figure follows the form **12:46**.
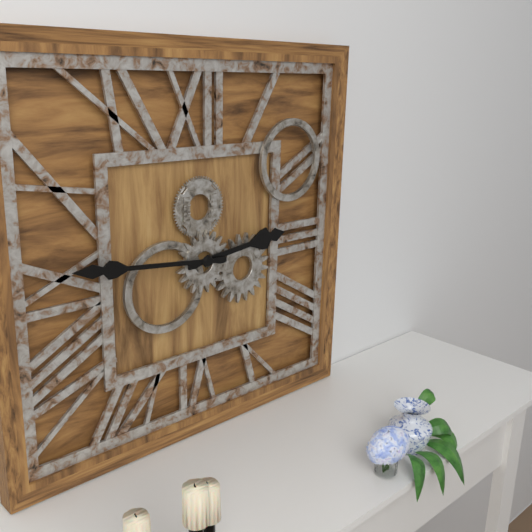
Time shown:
**2:46**
